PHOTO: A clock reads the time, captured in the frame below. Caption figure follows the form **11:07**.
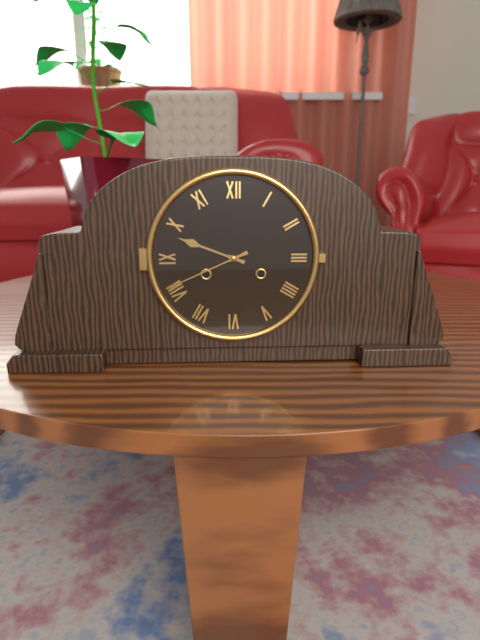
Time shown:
**9:41**
